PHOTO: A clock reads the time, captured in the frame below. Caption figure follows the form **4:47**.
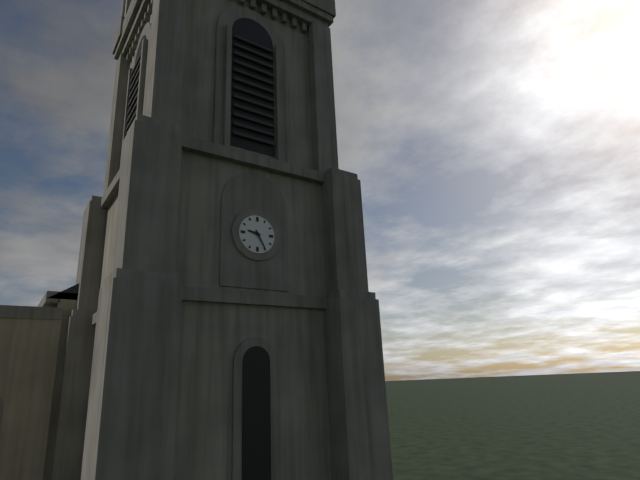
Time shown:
**9:25**
